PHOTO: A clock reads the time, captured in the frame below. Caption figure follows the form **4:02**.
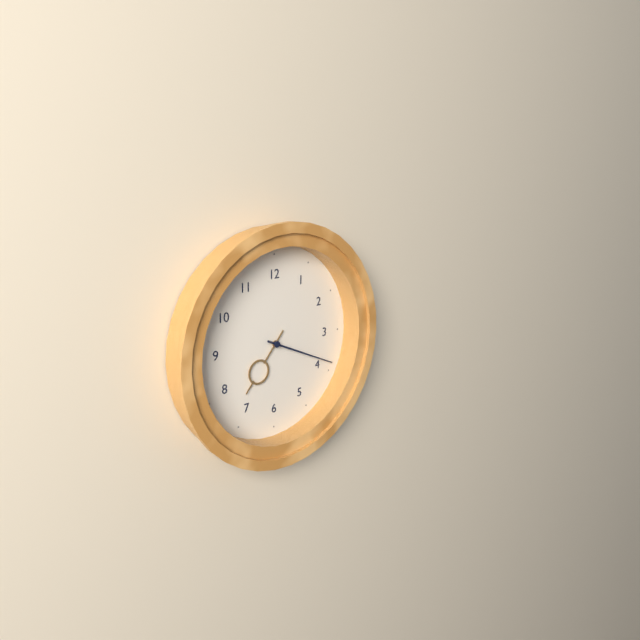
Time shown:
**7:19**
